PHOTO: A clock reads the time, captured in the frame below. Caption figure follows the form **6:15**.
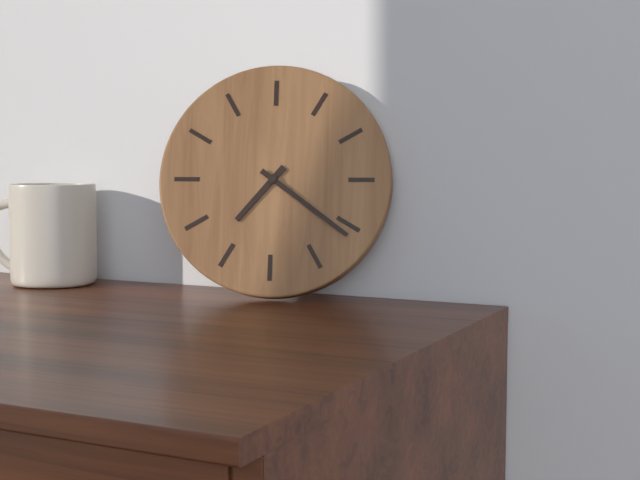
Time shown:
**7:21**
